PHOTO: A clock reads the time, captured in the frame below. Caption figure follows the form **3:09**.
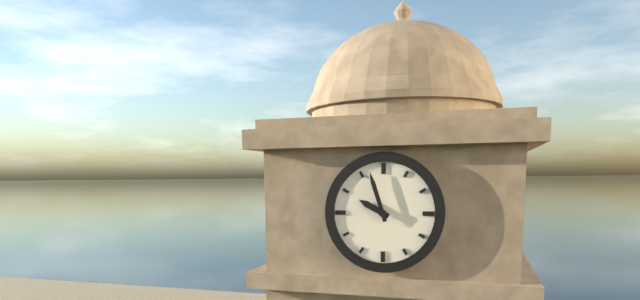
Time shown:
**9:57**
